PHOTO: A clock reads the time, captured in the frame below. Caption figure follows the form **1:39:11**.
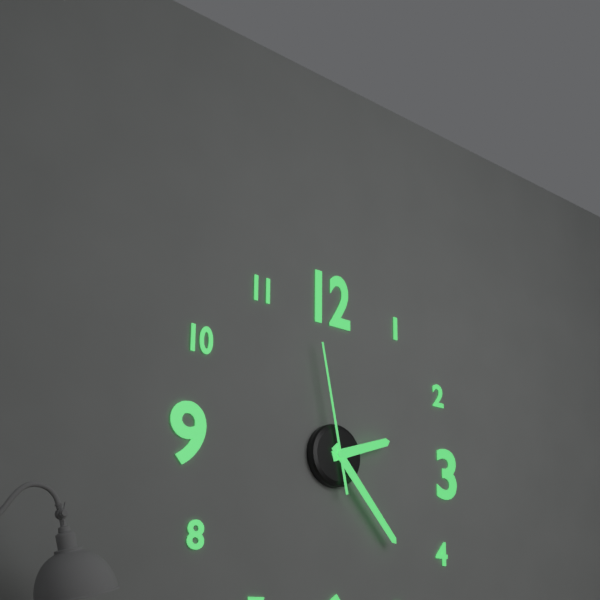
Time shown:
**2:23:58**
